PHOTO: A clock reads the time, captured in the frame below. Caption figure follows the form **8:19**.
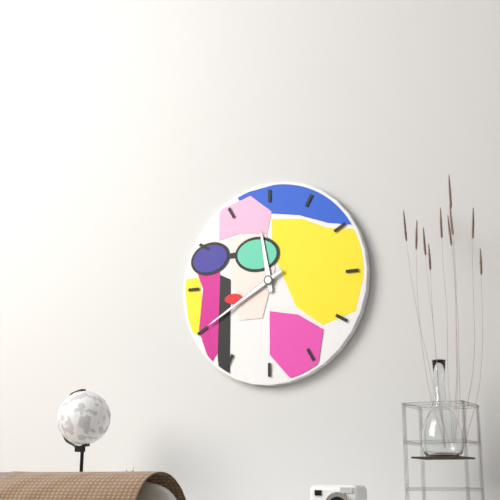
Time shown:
**11:40**
